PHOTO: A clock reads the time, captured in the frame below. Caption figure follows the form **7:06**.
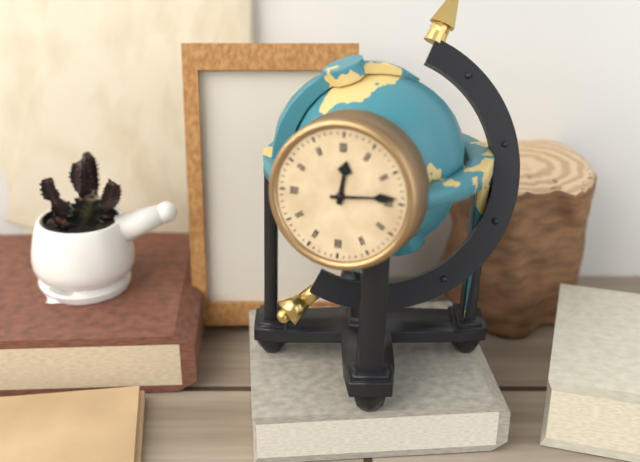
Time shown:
**12:14**
